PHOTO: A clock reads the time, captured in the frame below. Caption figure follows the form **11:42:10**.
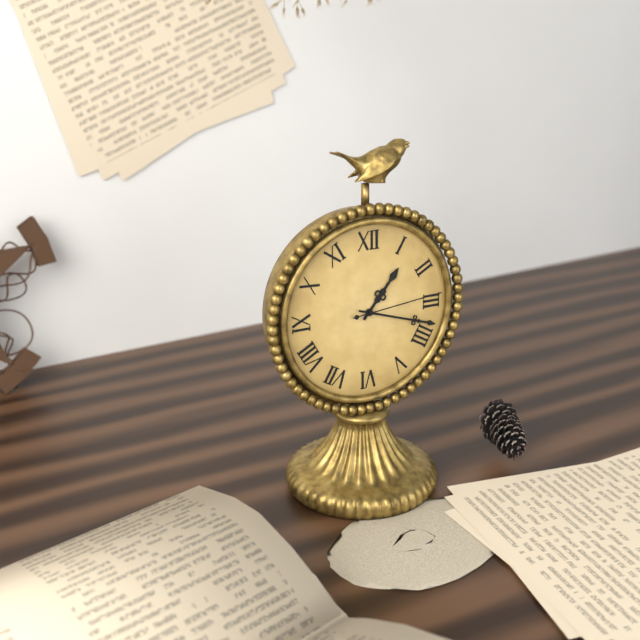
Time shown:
**1:18:14**
